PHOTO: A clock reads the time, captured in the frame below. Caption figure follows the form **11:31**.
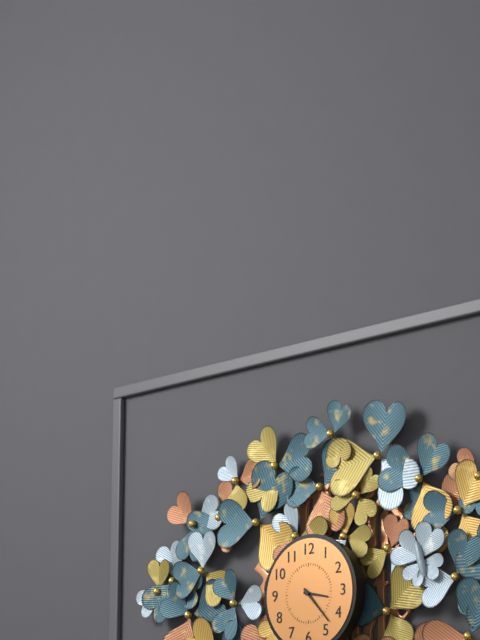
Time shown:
**3:23**
